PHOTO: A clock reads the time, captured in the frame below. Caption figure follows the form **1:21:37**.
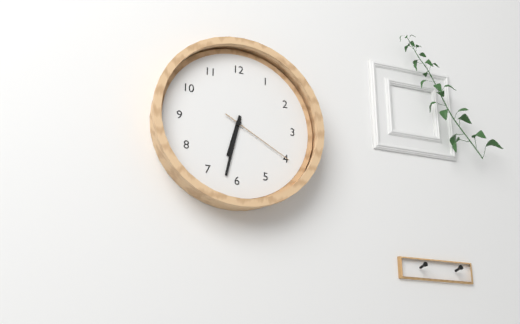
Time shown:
**6:32:20**
